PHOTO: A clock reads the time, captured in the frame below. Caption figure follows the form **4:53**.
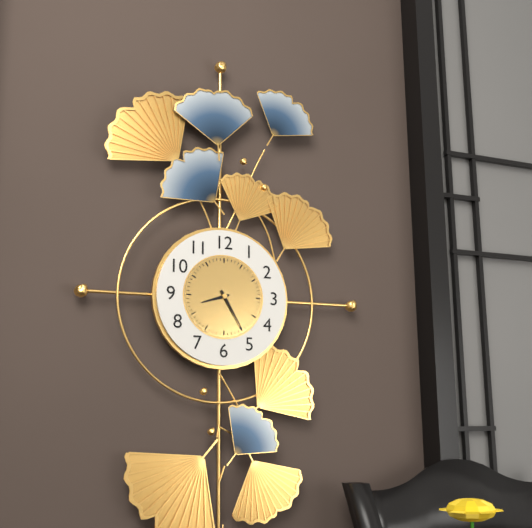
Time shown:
**8:25**
